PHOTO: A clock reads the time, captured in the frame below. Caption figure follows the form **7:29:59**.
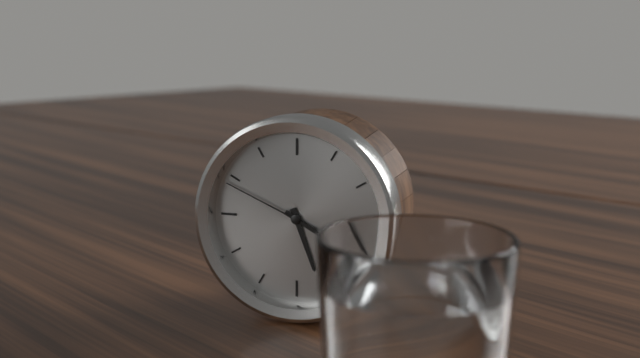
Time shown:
**5:20:49**
